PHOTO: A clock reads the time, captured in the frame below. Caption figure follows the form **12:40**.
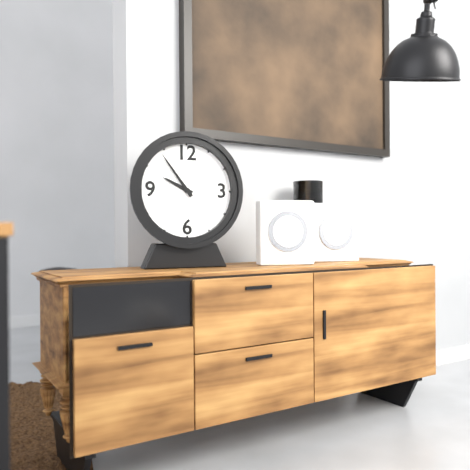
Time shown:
**9:54**
